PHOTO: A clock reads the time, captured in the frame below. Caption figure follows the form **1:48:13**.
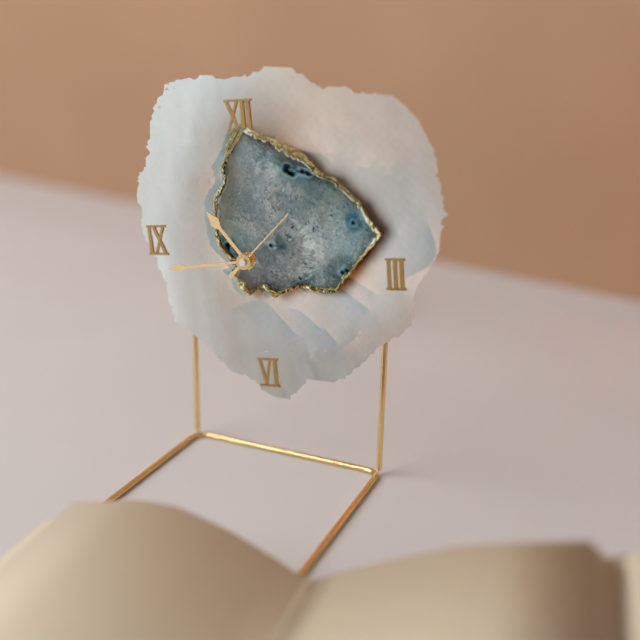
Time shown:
**10:44:08**
